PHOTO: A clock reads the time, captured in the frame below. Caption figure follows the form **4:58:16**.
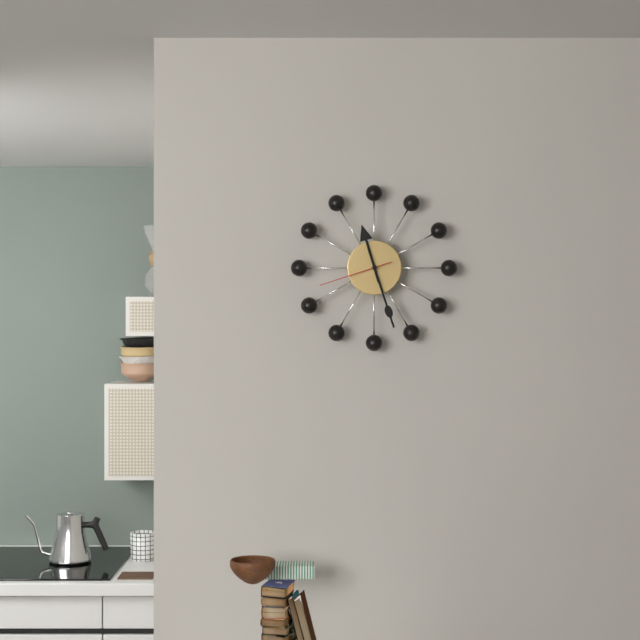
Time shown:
**11:27:42**
